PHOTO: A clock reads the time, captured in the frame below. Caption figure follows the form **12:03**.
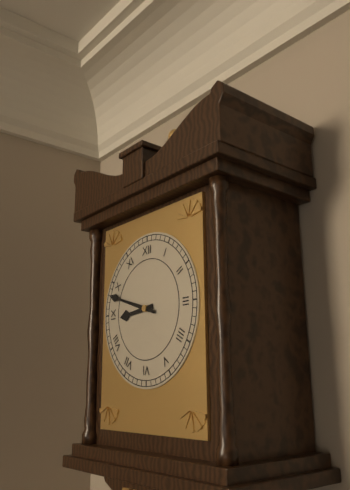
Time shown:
**8:48**
